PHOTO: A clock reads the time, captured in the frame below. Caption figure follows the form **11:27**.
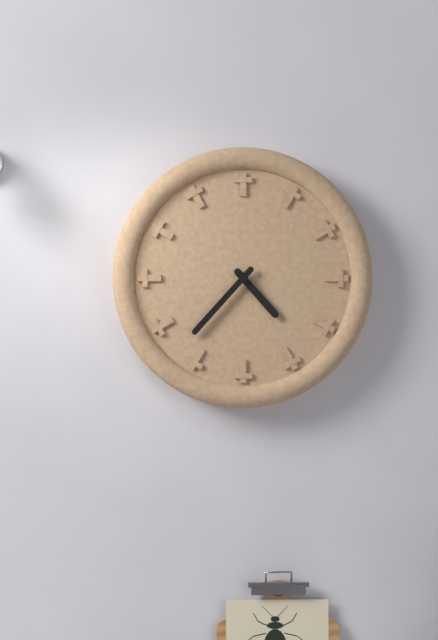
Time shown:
**4:37**
